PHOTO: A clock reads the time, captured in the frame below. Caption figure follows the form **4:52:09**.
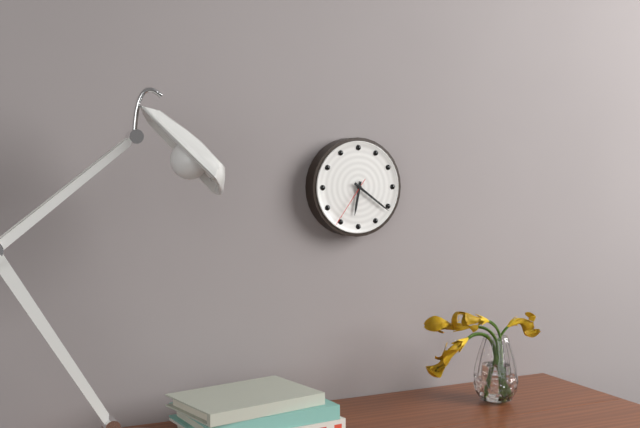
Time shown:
**6:21:36**
